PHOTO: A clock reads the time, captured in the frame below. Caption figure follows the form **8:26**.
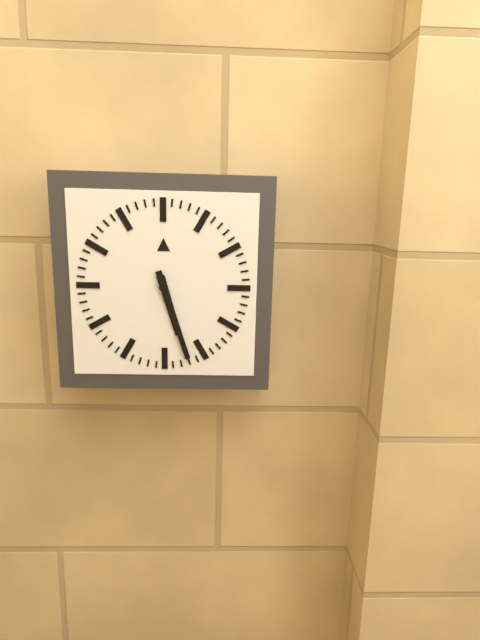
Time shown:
**5:27**
